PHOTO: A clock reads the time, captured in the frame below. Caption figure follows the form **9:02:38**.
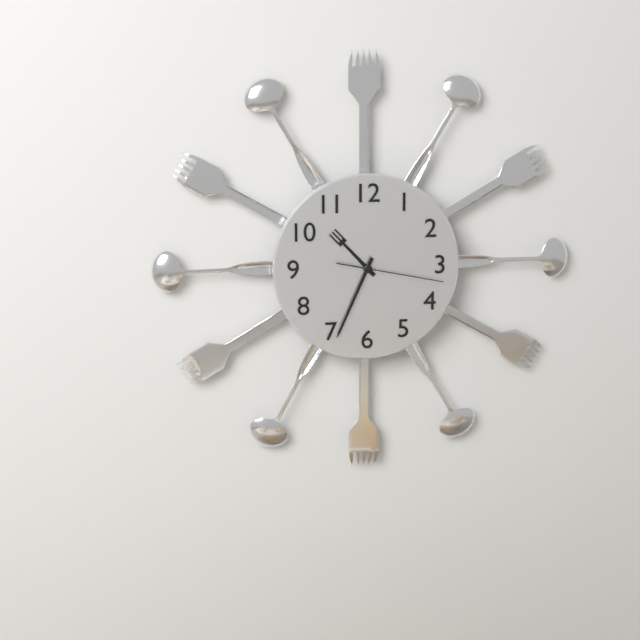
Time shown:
**10:34:17**
